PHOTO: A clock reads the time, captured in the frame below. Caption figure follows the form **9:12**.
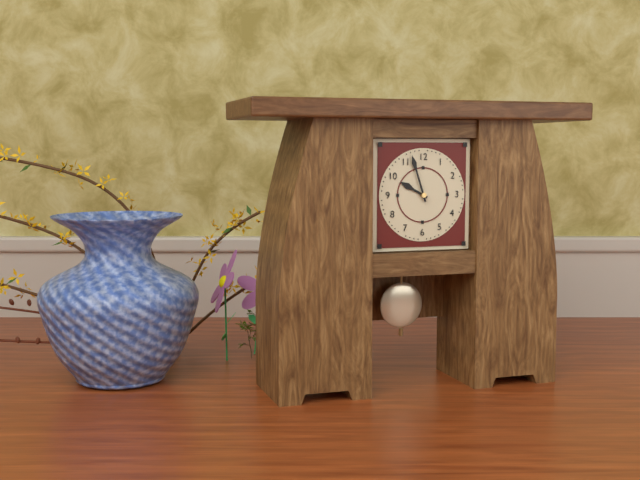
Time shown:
**9:57**
